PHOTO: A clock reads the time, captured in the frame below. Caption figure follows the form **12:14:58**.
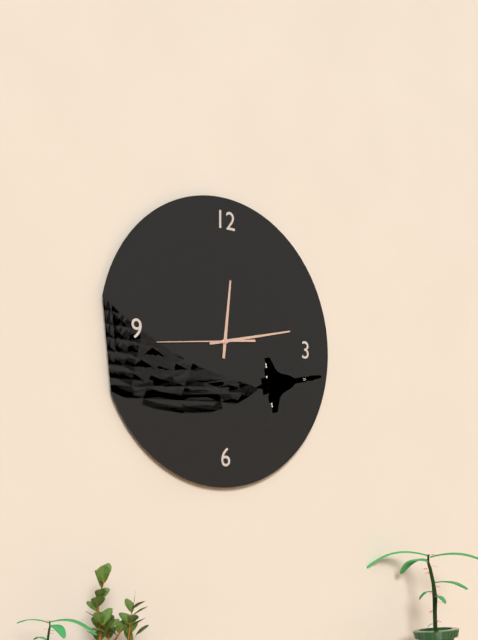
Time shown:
**12:13:44**
